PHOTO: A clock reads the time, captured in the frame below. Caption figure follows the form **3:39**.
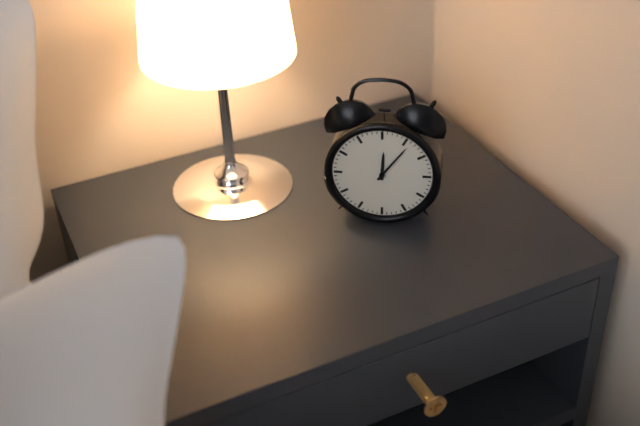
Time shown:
**12:06**
